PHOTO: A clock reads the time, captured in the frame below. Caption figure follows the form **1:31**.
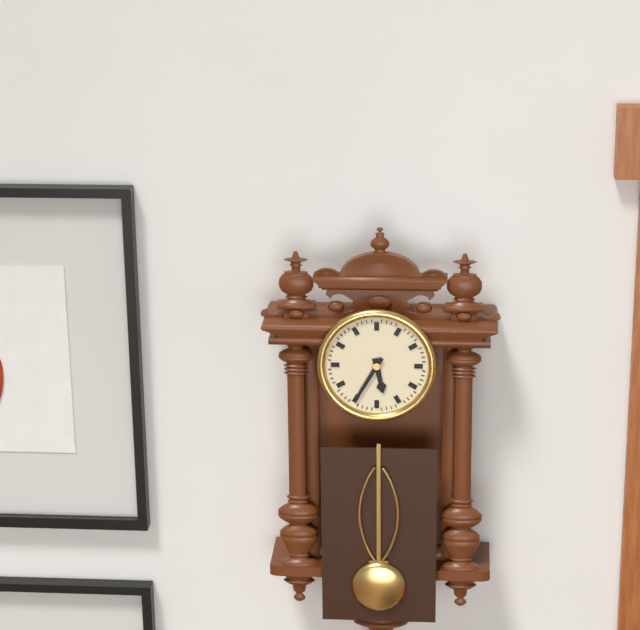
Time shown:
**5:35**
